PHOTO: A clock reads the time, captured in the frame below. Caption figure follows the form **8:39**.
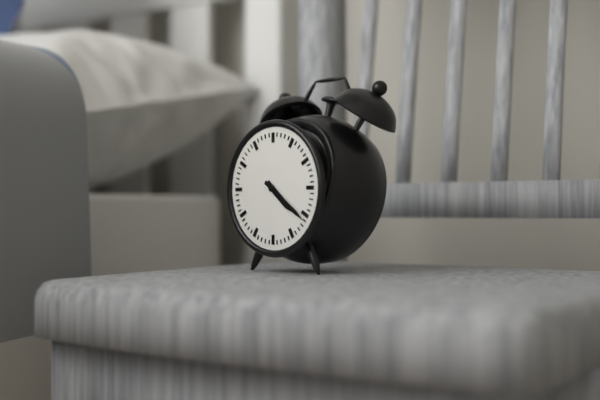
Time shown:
**4:21**
